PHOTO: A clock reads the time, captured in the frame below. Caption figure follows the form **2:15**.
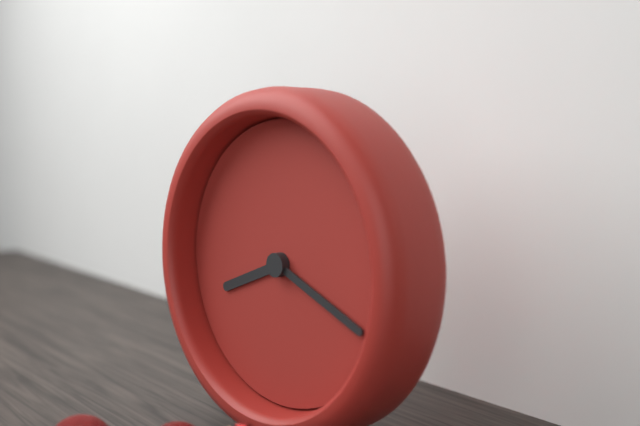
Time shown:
**8:19**
